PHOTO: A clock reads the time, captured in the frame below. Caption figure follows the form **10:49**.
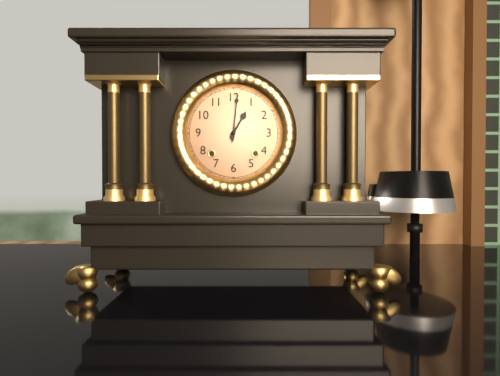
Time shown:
**1:01**
